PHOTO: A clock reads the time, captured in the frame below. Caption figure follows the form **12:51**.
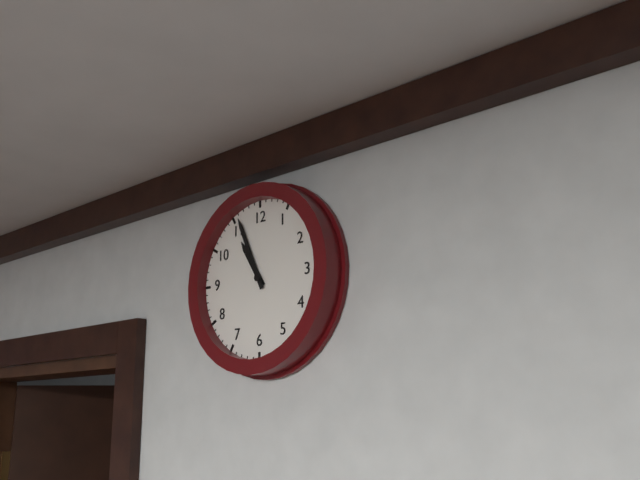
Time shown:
**10:56**
